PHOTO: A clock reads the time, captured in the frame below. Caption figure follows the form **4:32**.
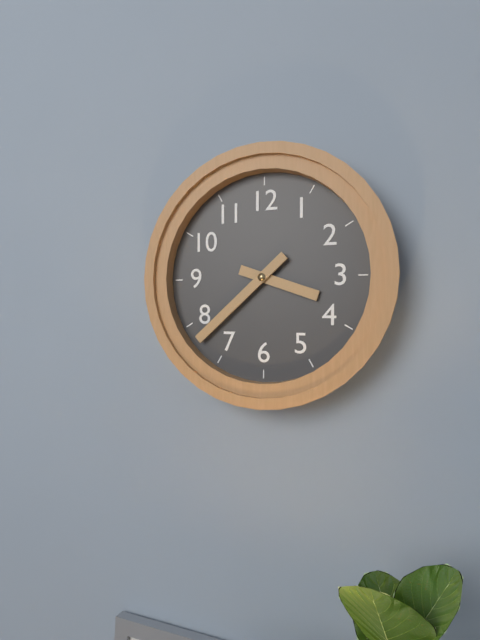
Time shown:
**3:38**
